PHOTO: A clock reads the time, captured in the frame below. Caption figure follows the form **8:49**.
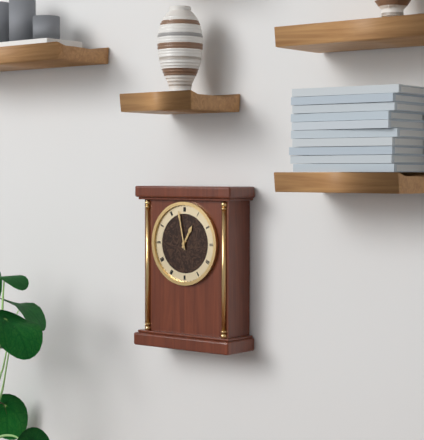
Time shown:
**12:58**
